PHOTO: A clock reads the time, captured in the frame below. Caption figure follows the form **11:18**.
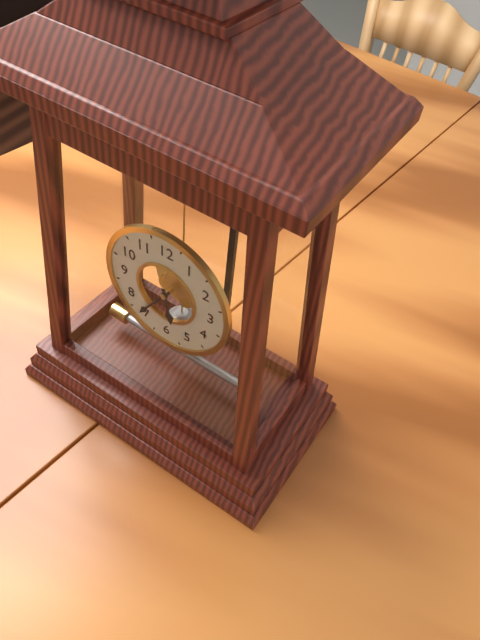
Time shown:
**5:36**
